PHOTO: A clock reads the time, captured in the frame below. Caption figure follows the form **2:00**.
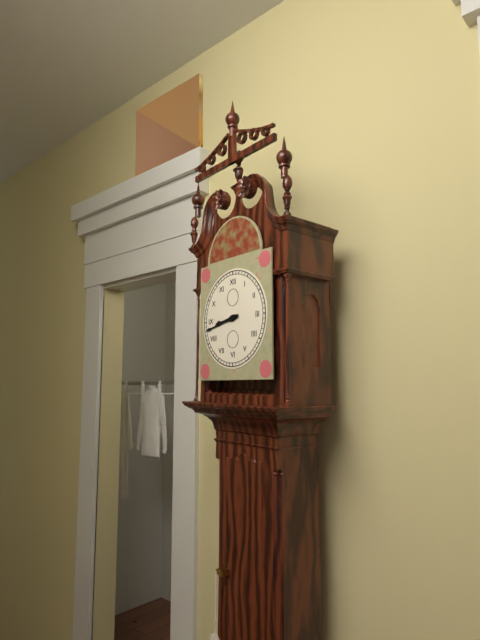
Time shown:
**8:43**
